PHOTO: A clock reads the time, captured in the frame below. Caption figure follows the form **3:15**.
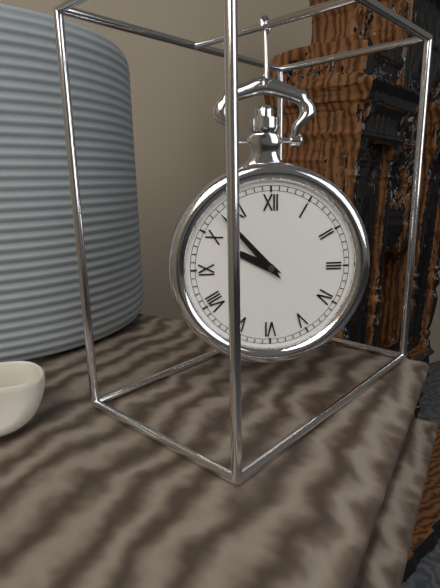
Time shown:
**9:53**
